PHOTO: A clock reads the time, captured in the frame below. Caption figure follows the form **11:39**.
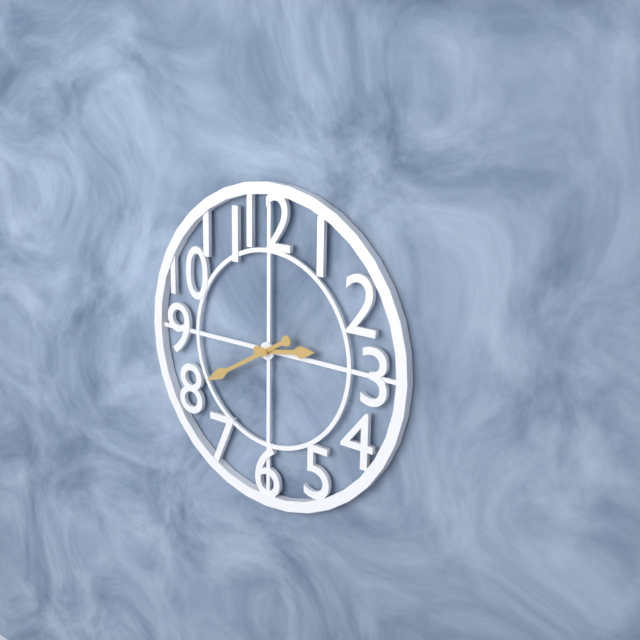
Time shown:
**2:40**
